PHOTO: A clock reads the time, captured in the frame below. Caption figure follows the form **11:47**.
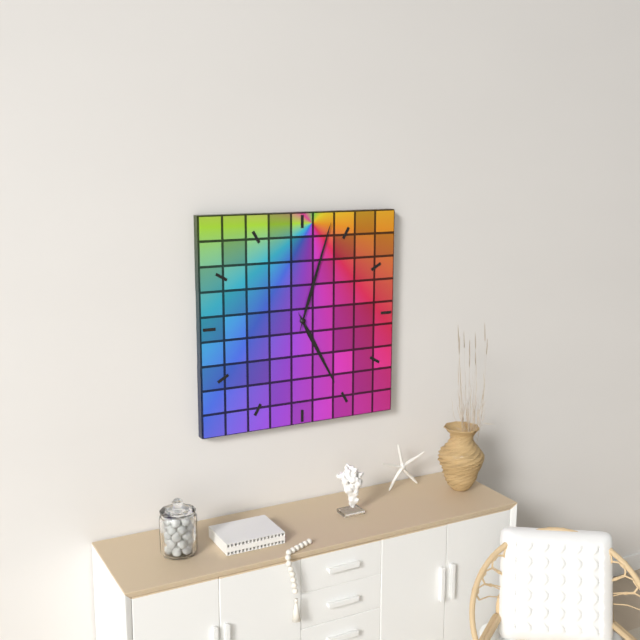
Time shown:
**5:03**
